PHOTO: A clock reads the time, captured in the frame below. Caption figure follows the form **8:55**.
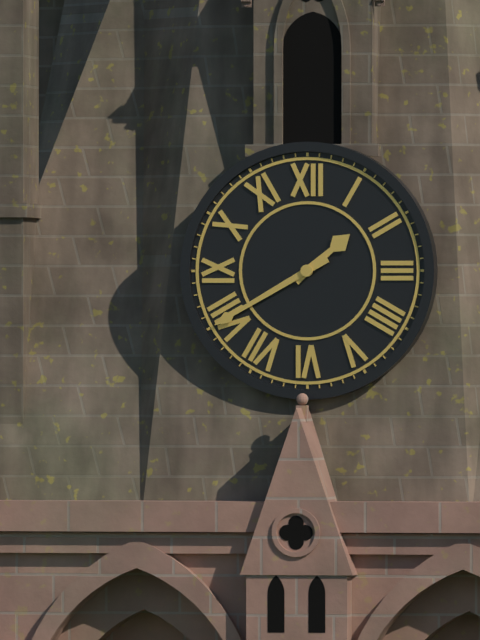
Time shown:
**1:40**
